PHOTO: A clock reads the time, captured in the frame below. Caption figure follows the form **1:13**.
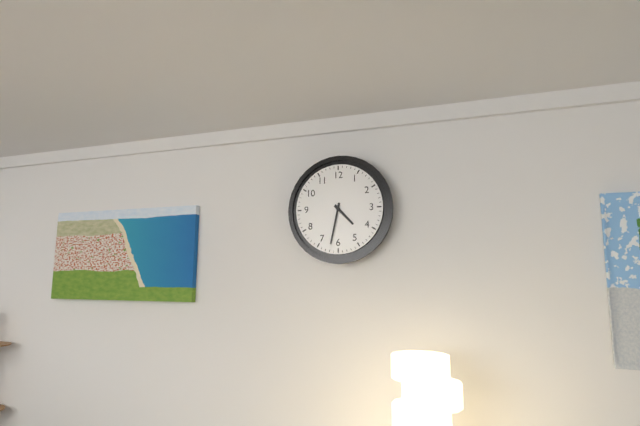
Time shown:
**4:32**
